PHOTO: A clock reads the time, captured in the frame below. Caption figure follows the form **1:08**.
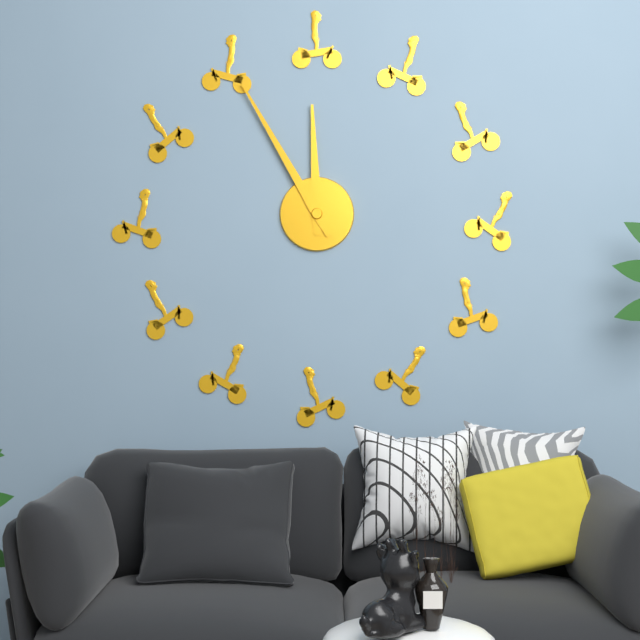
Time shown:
**11:55**
